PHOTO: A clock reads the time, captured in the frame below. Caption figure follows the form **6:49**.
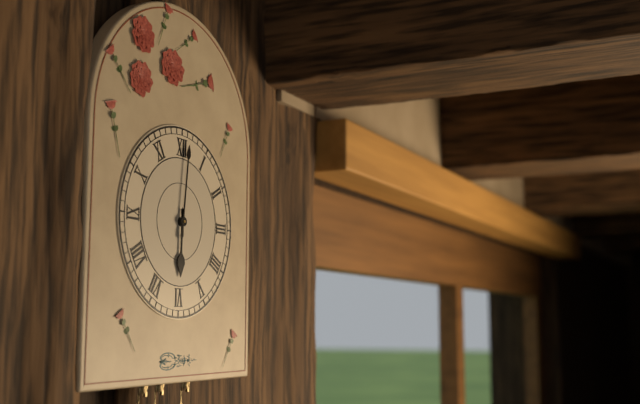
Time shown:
**6:01**
